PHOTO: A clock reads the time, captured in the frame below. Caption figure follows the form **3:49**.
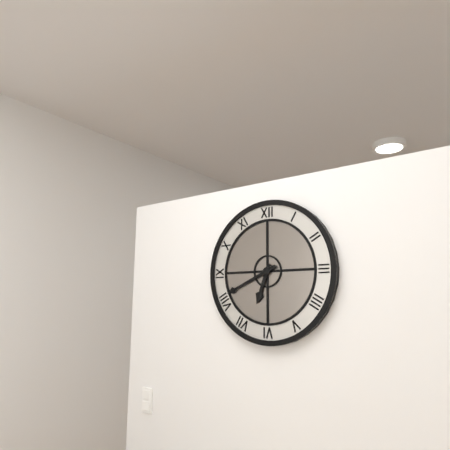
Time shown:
**6:41**
